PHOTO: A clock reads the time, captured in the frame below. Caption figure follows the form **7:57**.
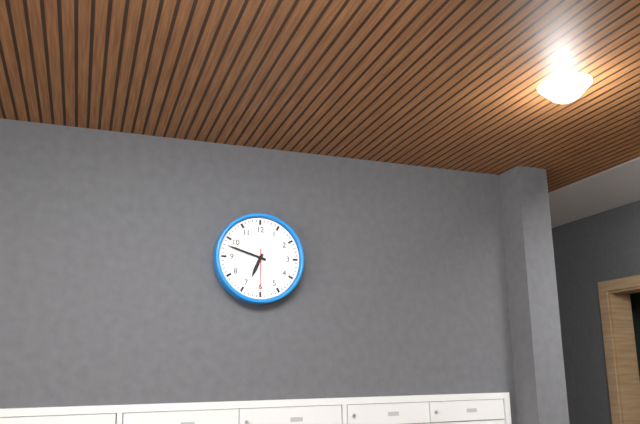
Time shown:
**6:48**
